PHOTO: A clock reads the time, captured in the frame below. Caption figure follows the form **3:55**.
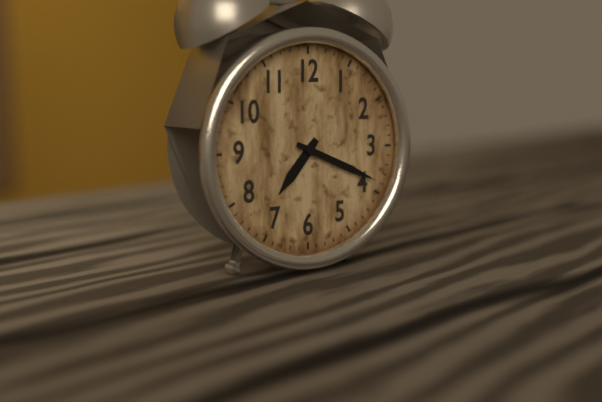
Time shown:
**7:19**
